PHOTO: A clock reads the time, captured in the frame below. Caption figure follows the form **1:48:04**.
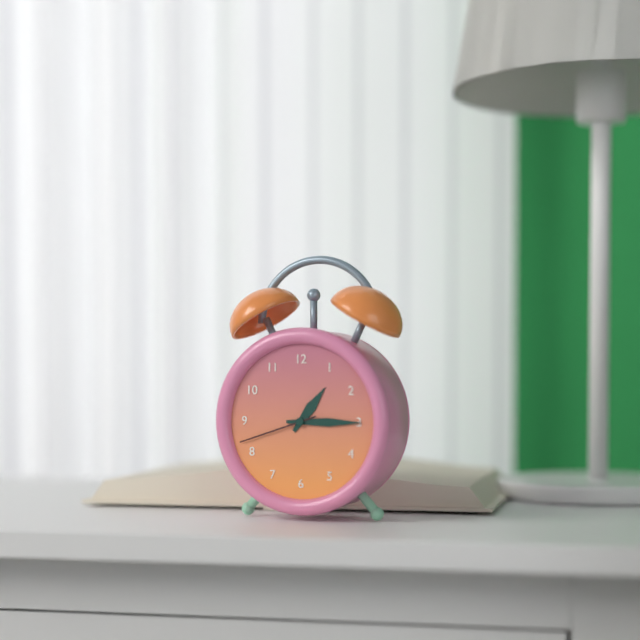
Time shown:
**1:15:42**
